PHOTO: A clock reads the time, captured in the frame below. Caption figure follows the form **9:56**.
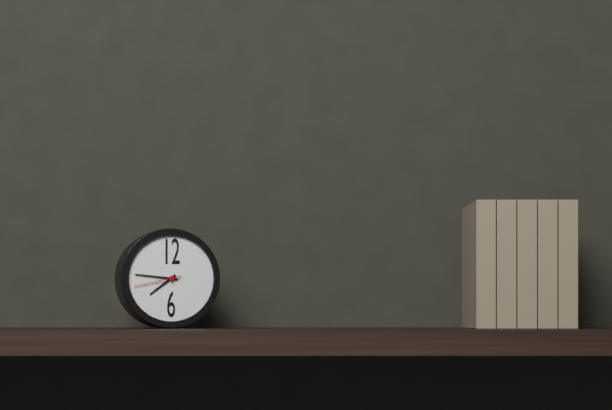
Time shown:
**7:46**
